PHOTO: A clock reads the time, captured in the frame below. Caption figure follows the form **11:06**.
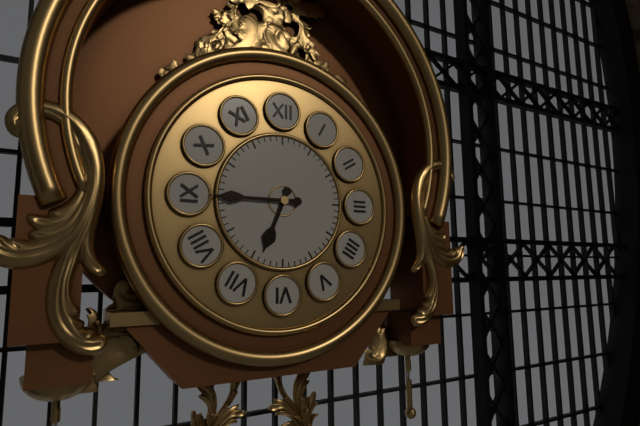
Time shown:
**6:45**
